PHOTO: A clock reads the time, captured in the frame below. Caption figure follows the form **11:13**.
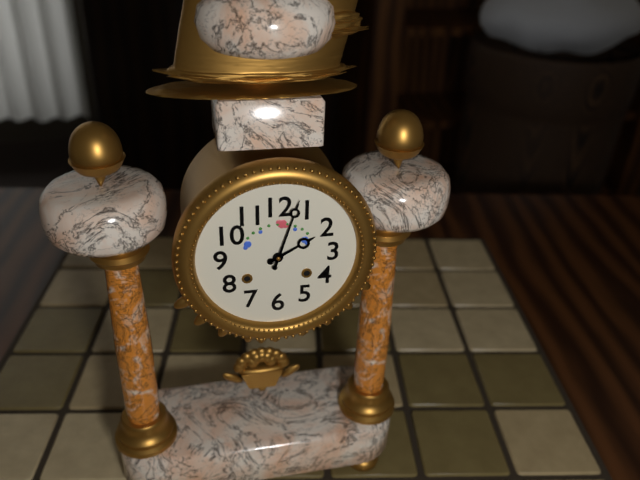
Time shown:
**2:03**
